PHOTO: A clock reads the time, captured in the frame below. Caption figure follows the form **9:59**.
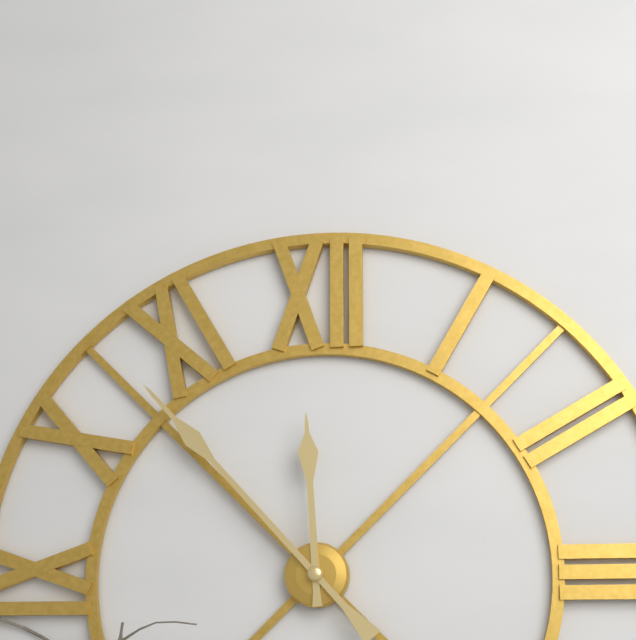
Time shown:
**11:53**
